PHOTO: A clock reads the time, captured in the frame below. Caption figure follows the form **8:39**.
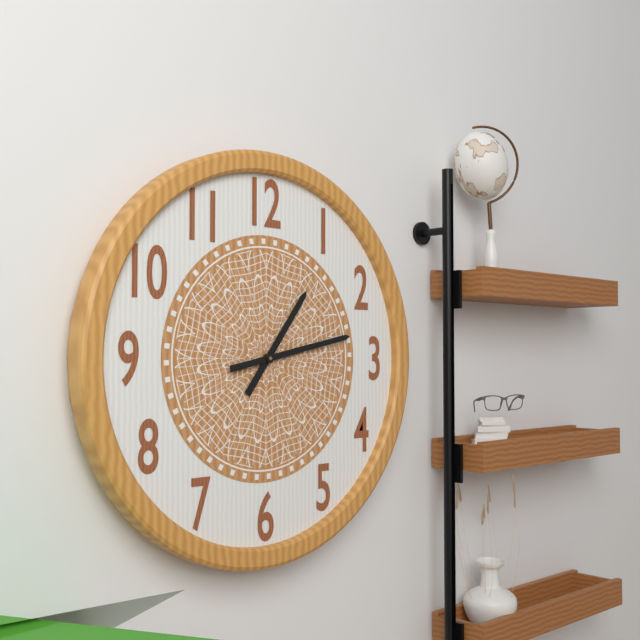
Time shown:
**1:13**
